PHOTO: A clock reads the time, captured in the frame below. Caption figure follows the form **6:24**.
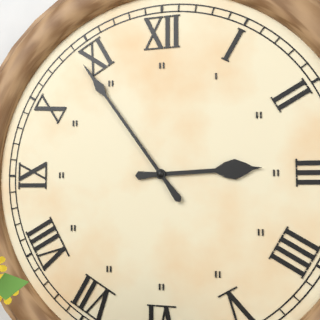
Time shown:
**2:54**
